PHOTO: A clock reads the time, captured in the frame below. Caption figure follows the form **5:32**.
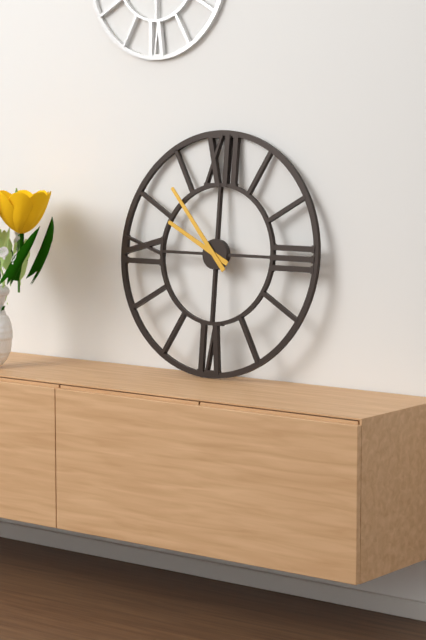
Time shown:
**9:53**
